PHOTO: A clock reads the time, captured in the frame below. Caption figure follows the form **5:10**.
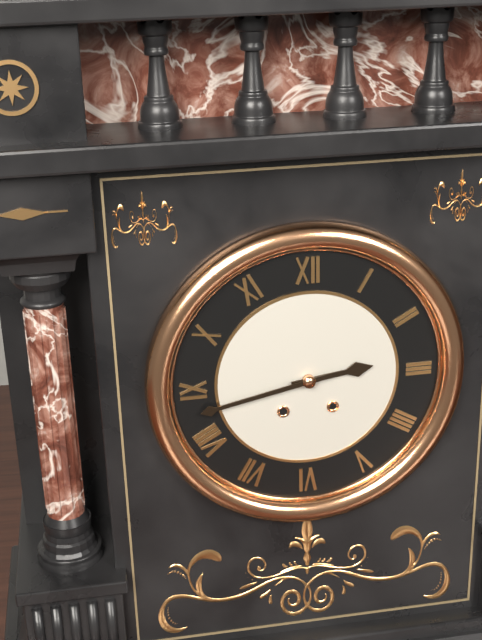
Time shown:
**2:43**
